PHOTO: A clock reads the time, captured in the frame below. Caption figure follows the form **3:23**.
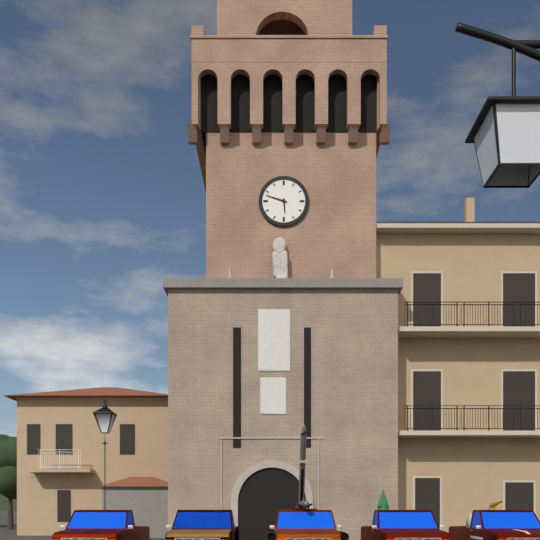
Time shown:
**5:48**
